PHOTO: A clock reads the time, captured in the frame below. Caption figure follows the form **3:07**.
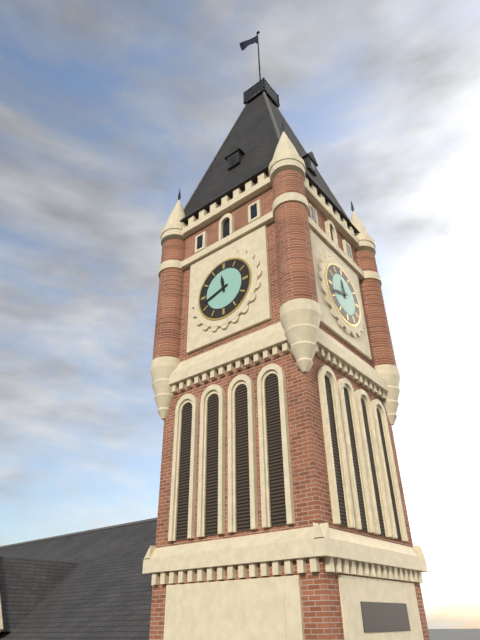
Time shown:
**11:42**
